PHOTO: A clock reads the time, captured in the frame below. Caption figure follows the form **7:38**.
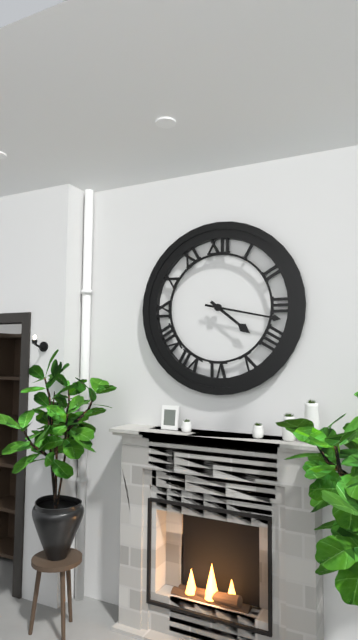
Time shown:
**4:17**
